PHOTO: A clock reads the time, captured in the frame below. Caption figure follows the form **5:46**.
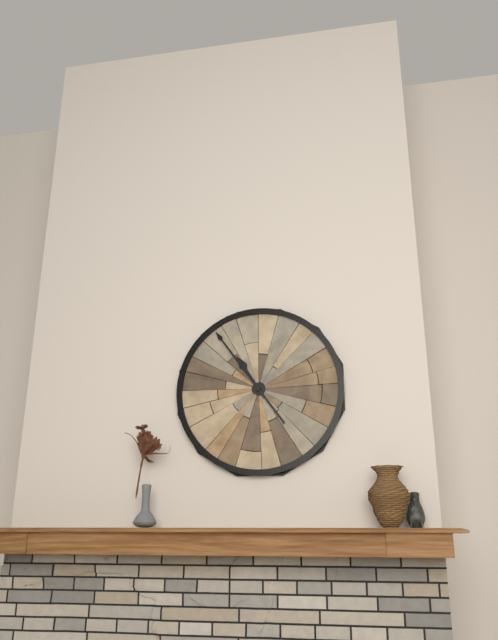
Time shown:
**10:54**
